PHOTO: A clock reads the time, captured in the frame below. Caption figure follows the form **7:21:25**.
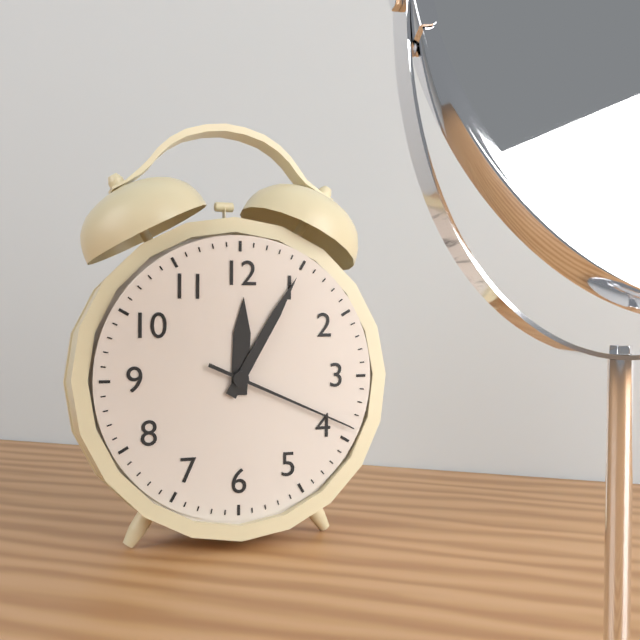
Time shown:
**12:05:19**
